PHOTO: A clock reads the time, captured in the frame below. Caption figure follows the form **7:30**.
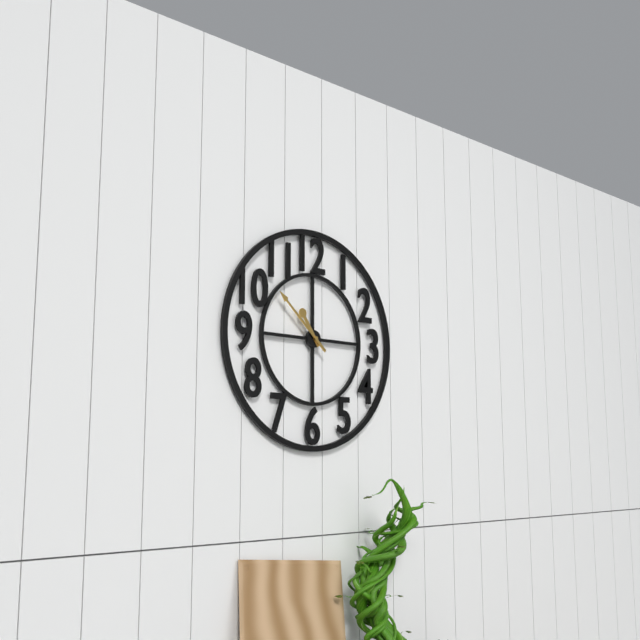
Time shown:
**10:52**
